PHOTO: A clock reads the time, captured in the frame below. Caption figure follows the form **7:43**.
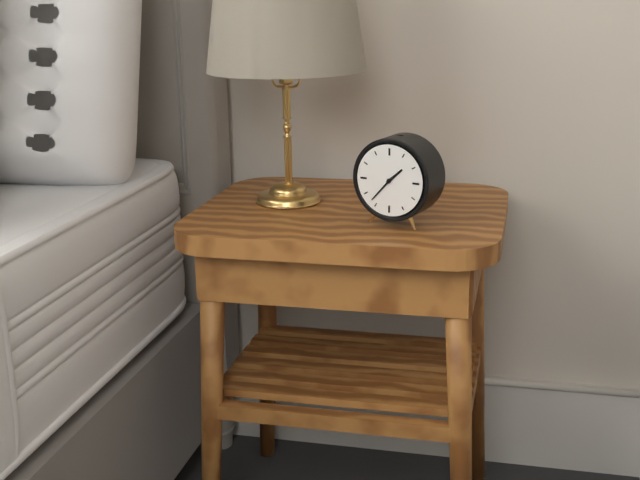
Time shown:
**1:37**
